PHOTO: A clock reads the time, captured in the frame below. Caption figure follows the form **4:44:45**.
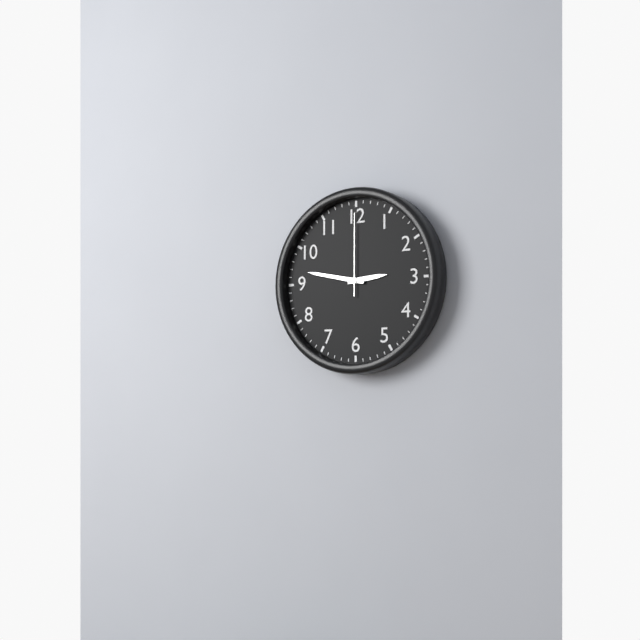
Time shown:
**2:47:00**
